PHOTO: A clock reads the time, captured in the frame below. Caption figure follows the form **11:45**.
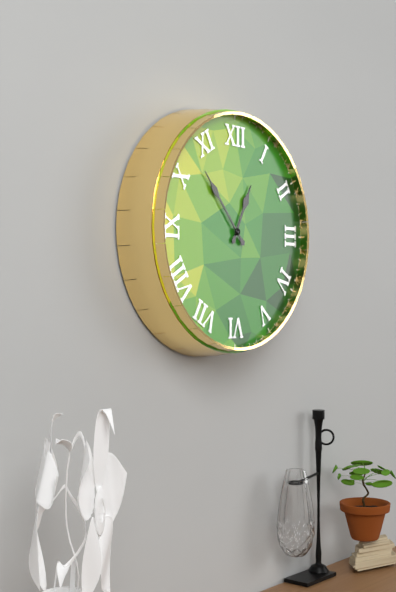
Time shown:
**12:53**
